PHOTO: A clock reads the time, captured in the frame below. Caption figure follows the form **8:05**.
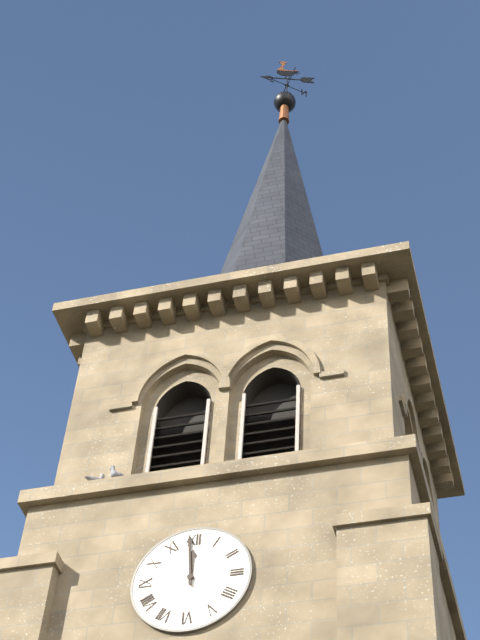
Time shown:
**11:59**
